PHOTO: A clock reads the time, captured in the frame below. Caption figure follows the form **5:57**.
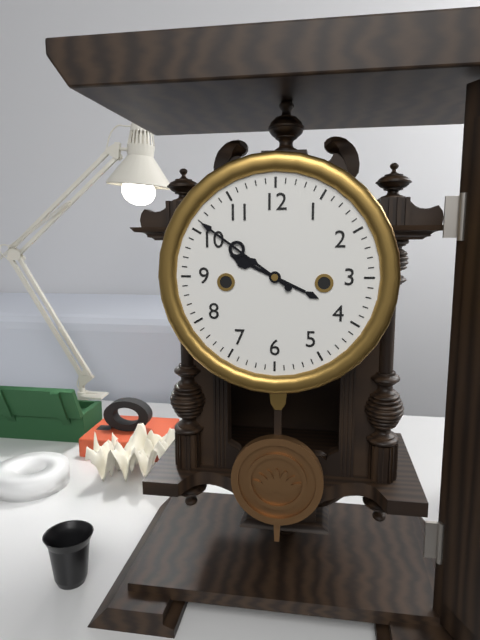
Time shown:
**9:51**
